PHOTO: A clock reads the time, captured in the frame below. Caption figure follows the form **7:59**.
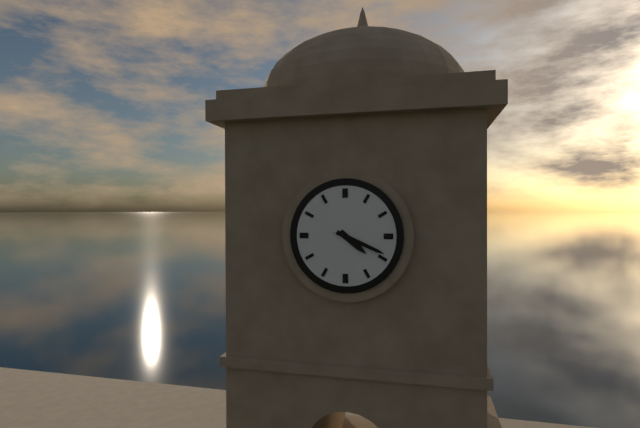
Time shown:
**4:19**
